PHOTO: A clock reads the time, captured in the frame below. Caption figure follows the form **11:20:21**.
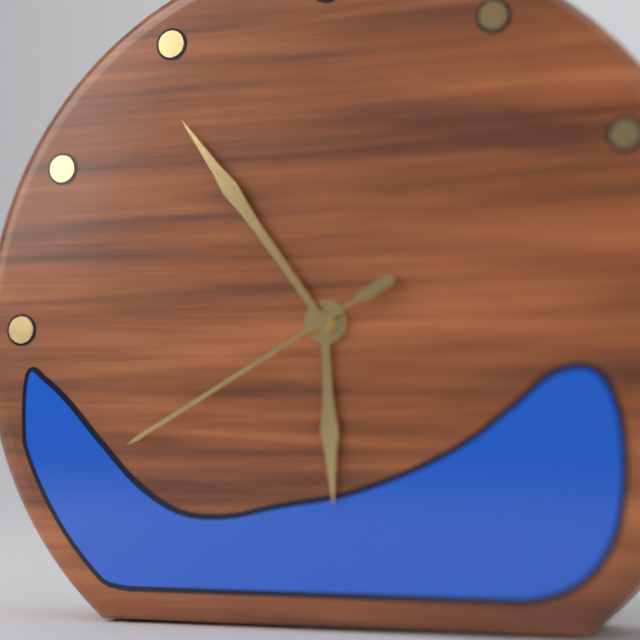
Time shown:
**5:54:40**
